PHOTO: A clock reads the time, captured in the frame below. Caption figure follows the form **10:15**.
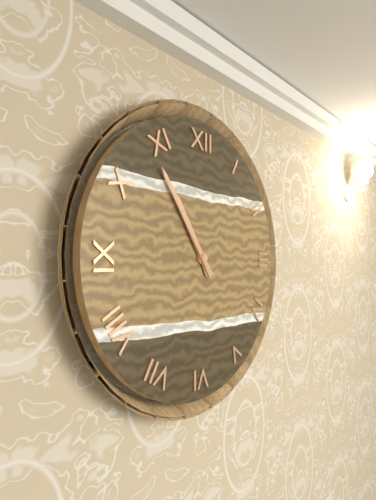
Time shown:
**10:54**
